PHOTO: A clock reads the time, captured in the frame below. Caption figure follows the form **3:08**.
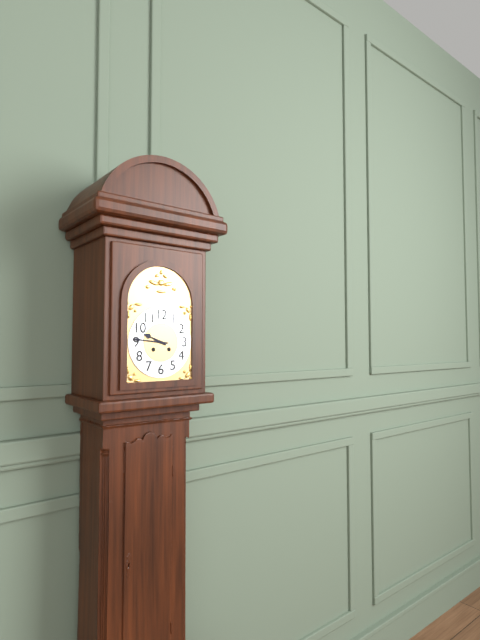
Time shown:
**9:46**
